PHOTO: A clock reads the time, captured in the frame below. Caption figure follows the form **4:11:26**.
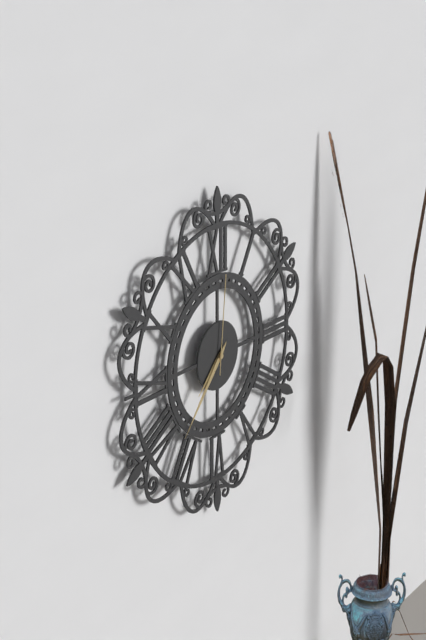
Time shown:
**7:37:01**
